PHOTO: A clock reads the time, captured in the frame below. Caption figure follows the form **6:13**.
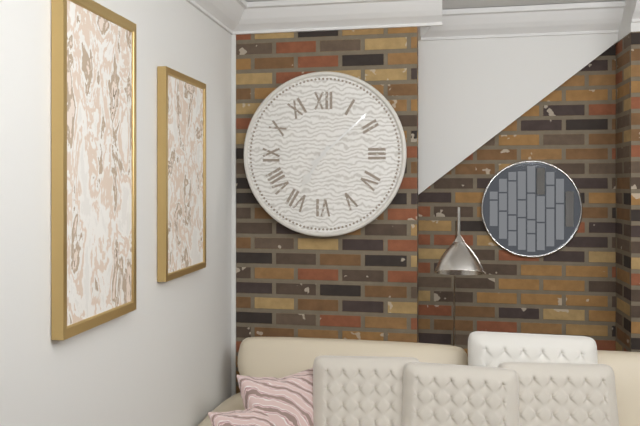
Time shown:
**7:08**
